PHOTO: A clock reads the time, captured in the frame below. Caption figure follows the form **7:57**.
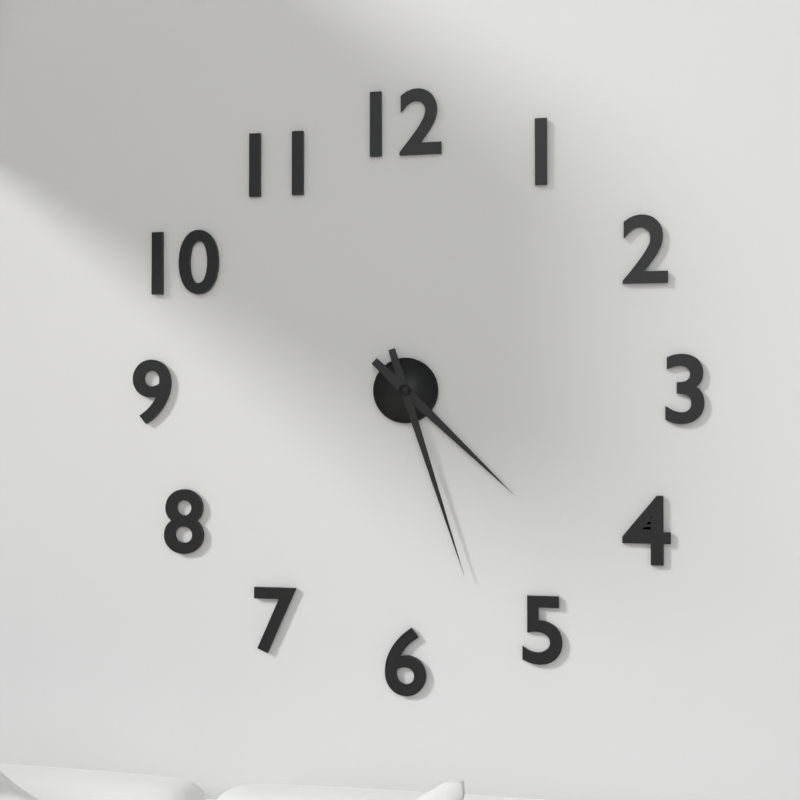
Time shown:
**4:27**
